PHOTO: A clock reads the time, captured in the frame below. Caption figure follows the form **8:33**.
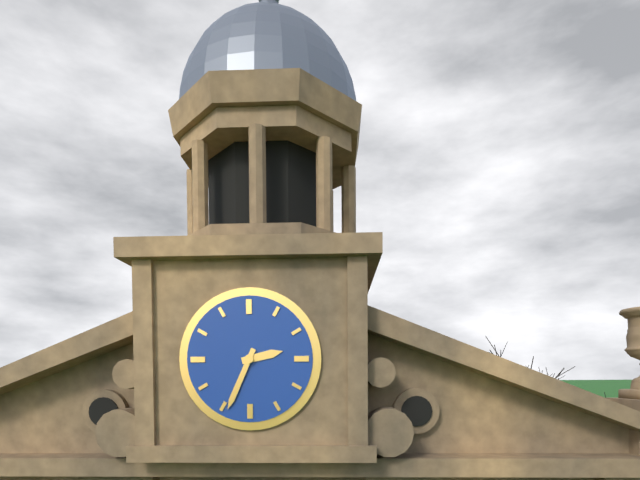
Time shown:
**2:34**
